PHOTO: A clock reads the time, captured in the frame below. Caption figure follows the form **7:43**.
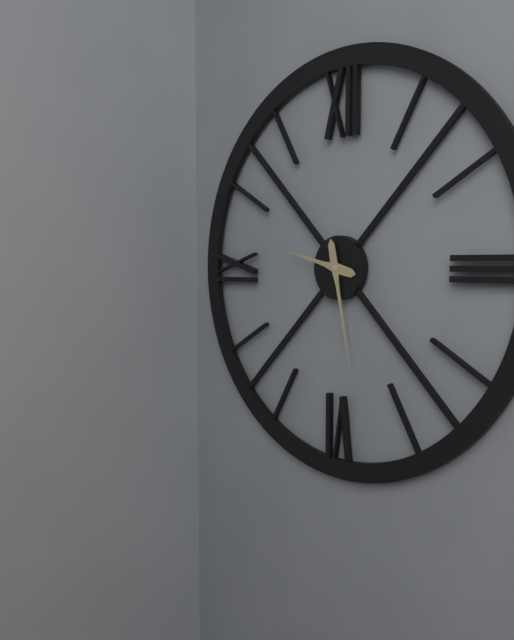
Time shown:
**9:28**
